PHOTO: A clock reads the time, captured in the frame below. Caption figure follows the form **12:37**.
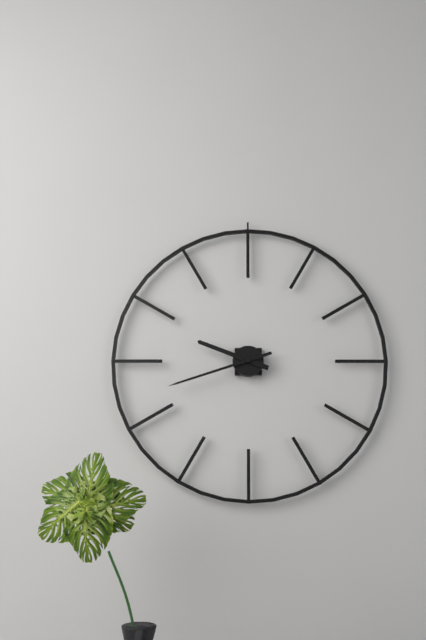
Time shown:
**9:42**
